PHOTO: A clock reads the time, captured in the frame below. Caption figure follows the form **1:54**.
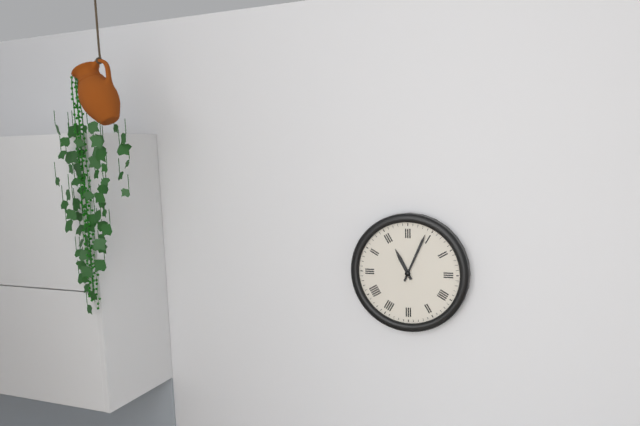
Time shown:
**11:04**
